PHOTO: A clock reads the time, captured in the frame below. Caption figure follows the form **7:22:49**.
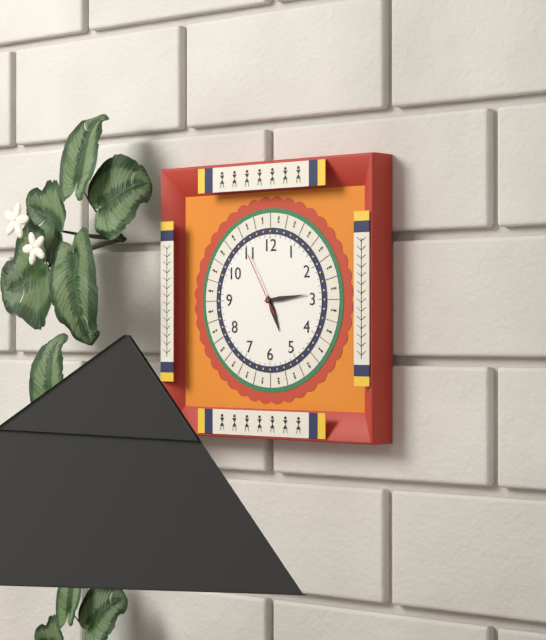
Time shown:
**5:14:55**
